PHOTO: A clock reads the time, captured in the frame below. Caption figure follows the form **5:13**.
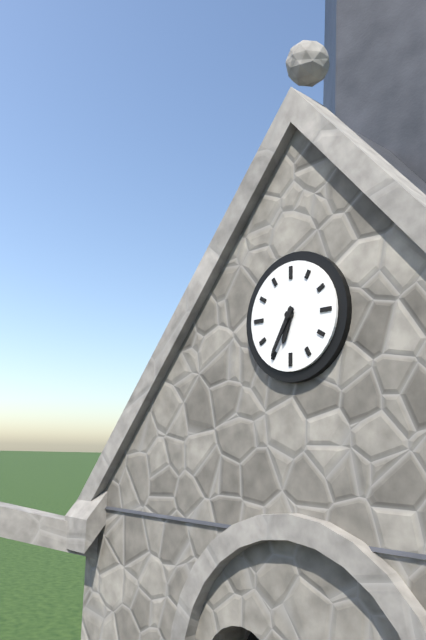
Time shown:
**6:35**
